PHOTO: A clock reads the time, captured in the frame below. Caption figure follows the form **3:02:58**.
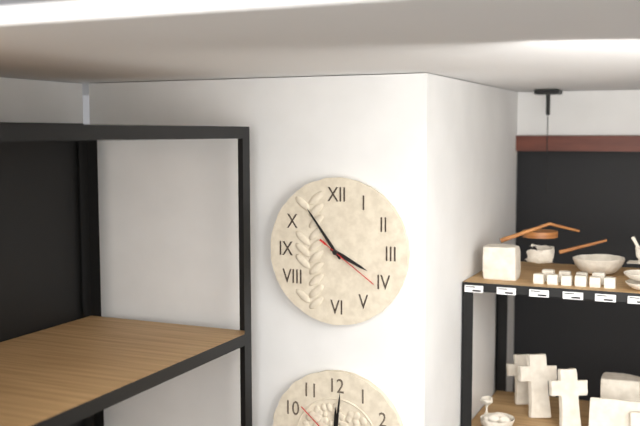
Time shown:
**3:54:21**
